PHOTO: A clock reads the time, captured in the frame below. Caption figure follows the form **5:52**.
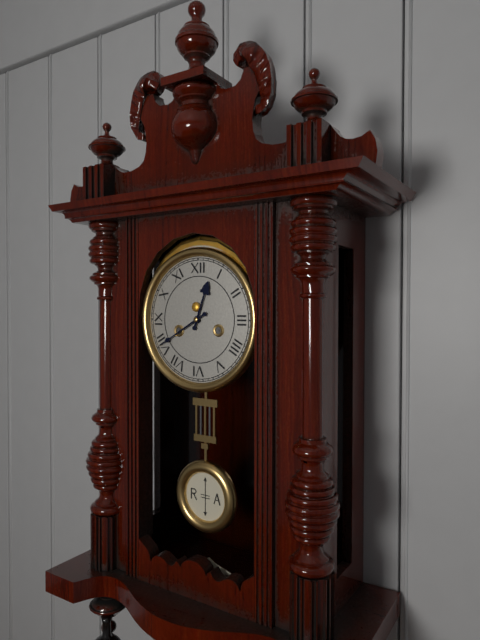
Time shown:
**12:40**
